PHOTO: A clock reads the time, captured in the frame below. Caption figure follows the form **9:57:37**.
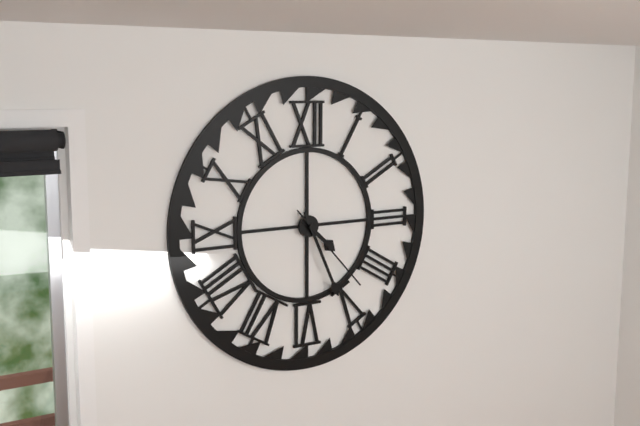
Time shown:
**4:26:23**
